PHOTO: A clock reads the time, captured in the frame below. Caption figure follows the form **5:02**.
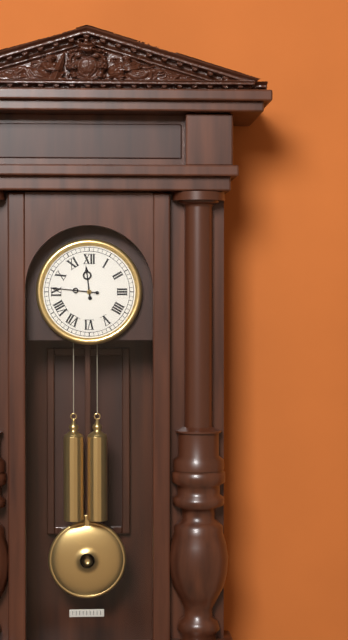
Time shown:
**11:46**
